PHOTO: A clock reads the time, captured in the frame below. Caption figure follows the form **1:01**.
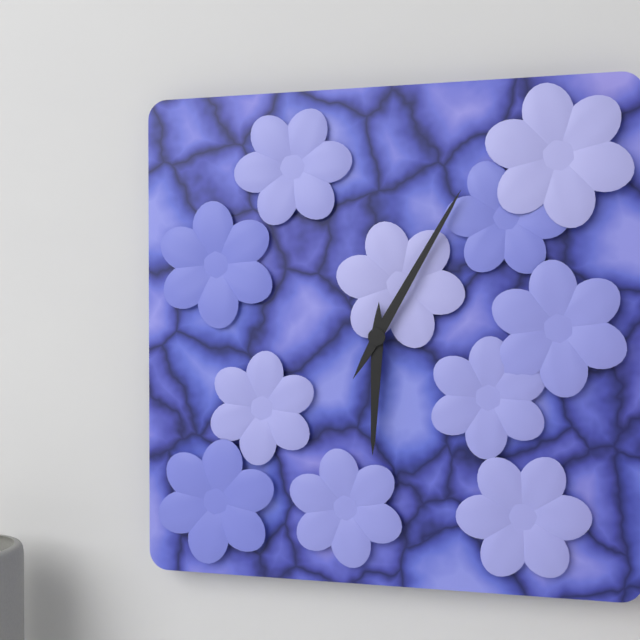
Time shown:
**6:05**
